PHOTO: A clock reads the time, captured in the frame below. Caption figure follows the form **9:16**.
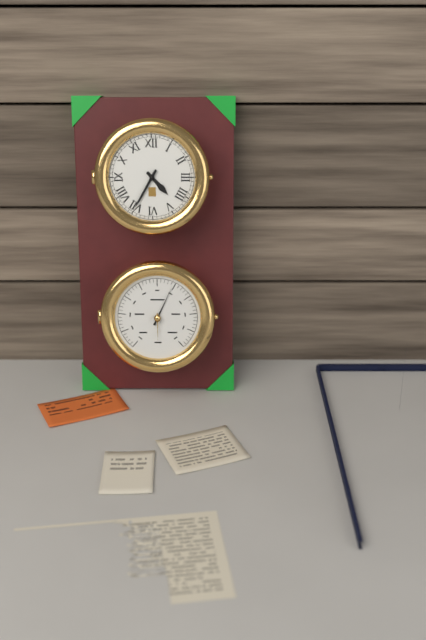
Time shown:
**4:35**
